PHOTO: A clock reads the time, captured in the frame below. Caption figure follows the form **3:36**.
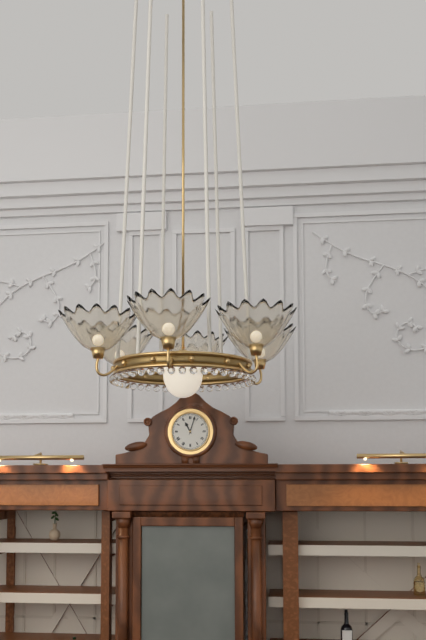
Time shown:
**11:03**
